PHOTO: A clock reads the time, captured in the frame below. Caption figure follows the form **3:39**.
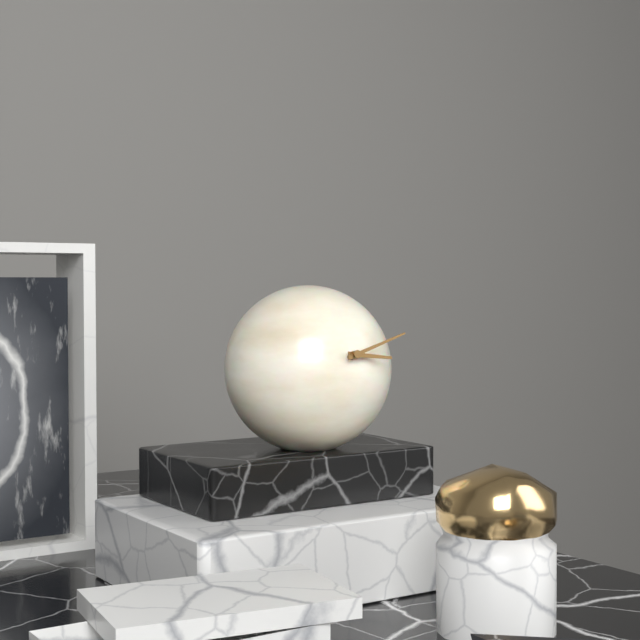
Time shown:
**3:12**
